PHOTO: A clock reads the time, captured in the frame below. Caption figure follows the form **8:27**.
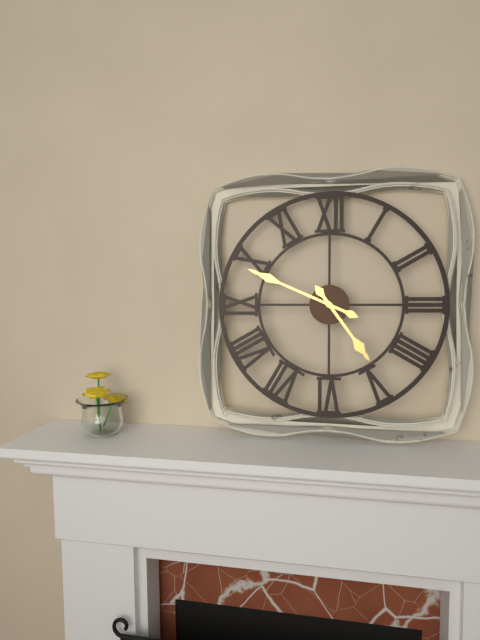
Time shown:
**4:49**
